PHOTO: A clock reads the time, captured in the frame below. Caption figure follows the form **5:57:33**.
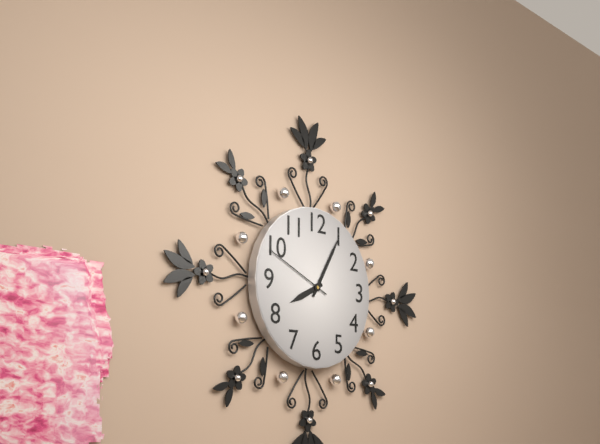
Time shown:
**8:05:49**
